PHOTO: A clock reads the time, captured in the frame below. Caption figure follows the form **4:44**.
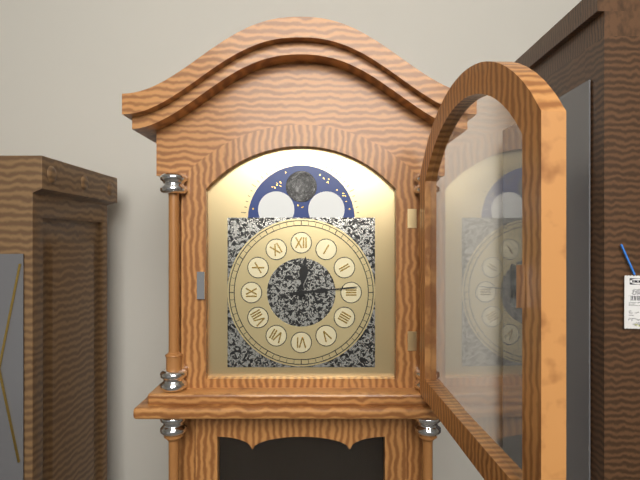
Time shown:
**12:14**
